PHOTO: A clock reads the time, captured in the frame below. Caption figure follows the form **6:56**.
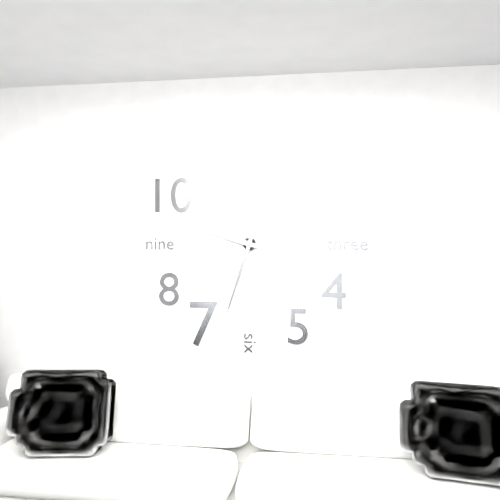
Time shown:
**9:33**
